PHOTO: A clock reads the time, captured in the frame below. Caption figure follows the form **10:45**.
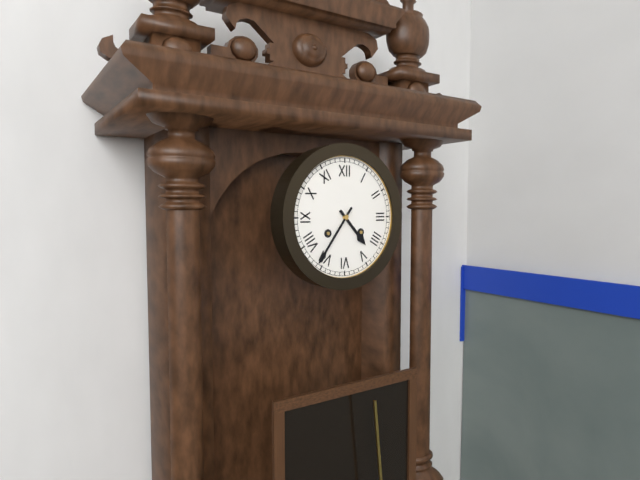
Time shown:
**4:36**
